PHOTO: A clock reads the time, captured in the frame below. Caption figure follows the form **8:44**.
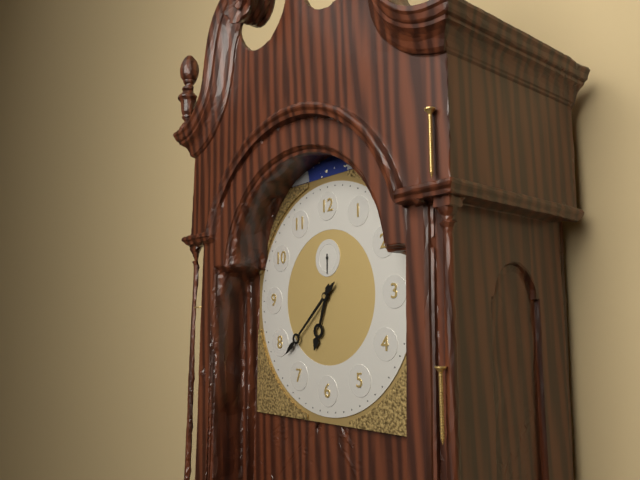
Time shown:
**6:38**
